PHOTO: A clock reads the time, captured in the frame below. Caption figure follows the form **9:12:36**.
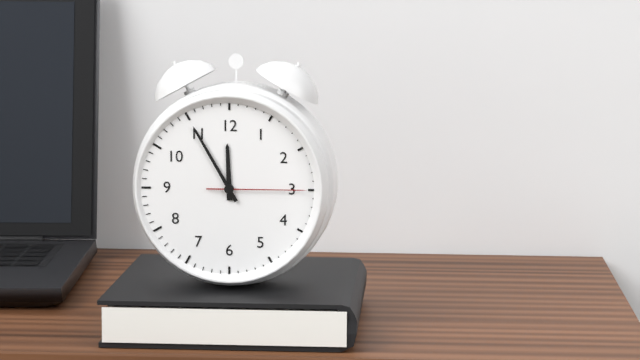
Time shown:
**11:55:15**
